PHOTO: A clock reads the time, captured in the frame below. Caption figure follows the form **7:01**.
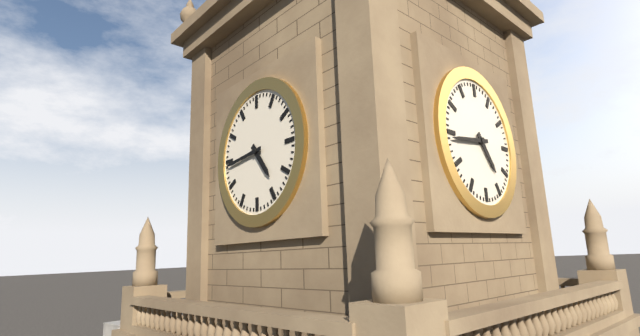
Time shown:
**4:44**
